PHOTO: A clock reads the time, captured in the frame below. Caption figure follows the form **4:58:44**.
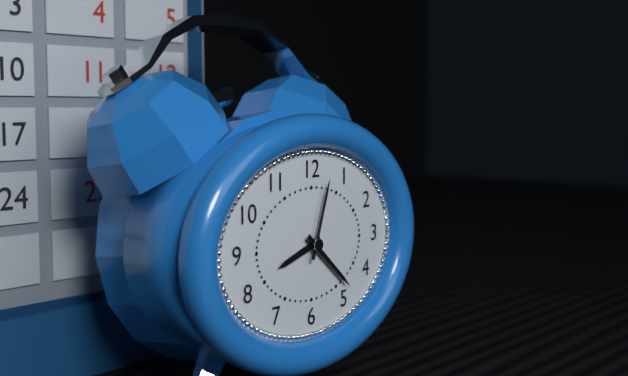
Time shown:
**8:22:03**
